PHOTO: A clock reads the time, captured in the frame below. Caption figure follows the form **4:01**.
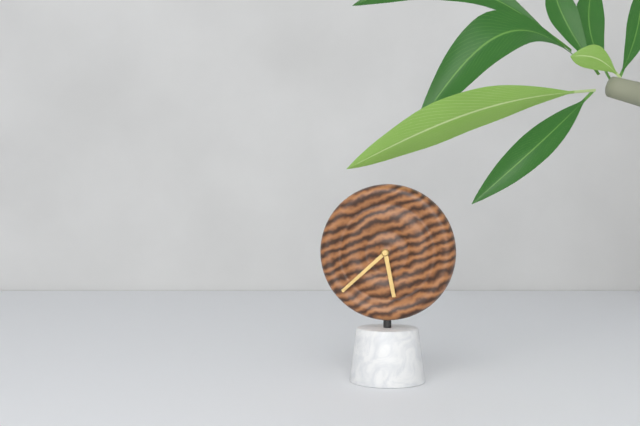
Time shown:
**5:38**
